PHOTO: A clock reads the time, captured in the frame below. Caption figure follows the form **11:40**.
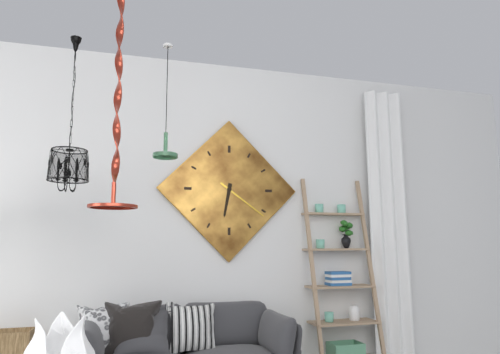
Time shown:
**6:21**
